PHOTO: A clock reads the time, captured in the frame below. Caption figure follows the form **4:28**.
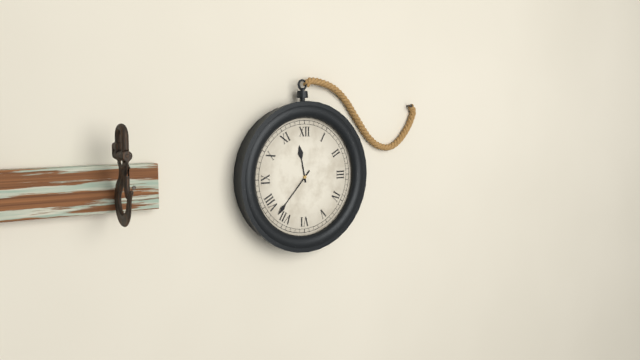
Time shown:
**11:37**
